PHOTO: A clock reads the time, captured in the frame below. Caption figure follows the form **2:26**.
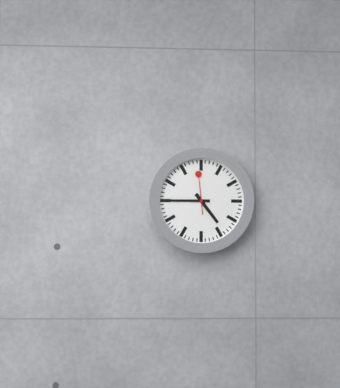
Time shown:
**4:45**
